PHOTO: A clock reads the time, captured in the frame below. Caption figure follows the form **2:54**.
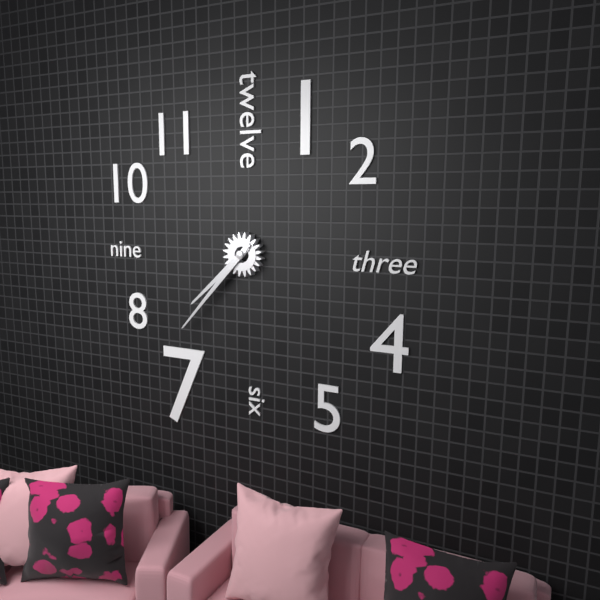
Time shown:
**7:37**
